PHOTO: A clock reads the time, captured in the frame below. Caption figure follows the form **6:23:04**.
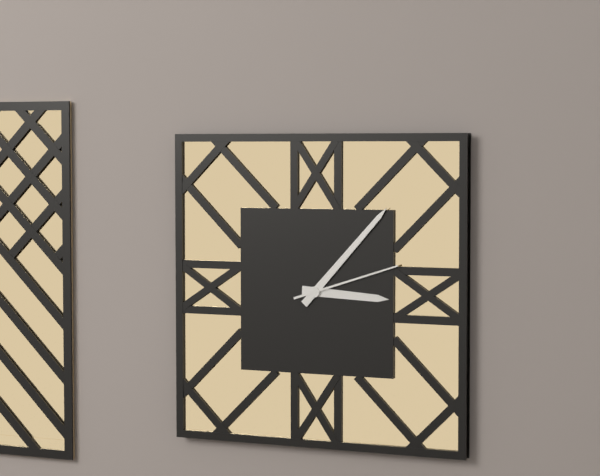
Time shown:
**3:07:12**
